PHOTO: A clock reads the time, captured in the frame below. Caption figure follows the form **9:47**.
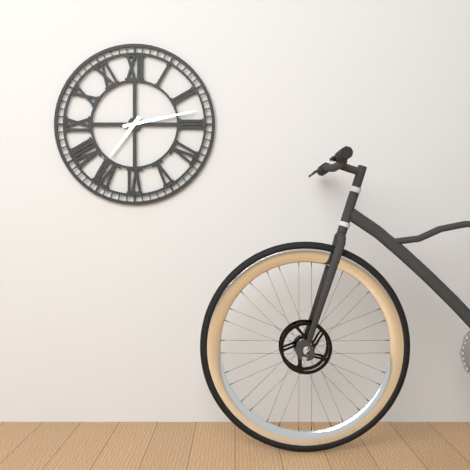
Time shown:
**7:13**
